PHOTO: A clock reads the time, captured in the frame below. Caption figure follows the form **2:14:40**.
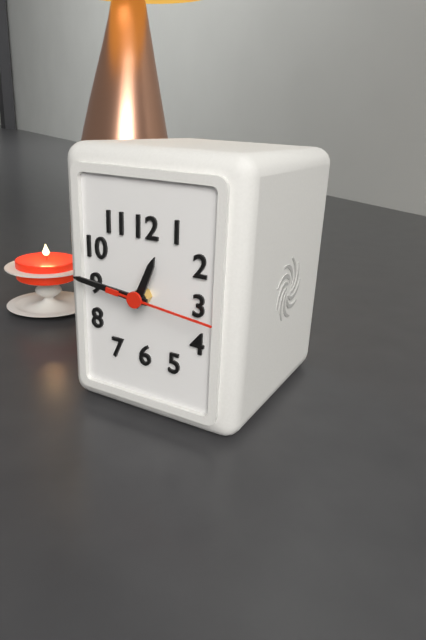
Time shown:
**12:46:16**
